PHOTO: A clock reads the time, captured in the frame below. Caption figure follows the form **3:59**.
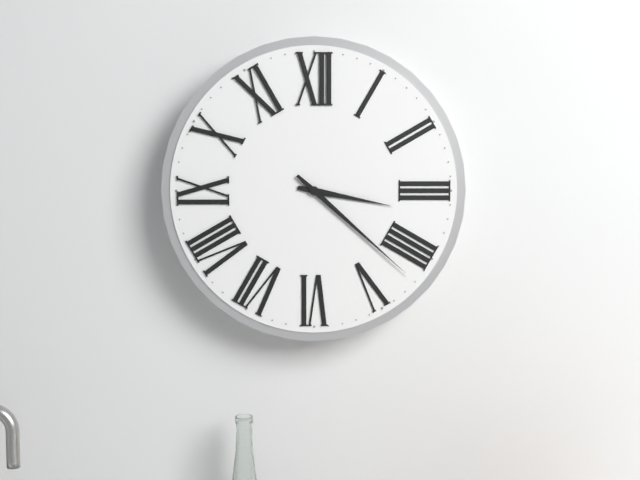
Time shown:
**3:22**
